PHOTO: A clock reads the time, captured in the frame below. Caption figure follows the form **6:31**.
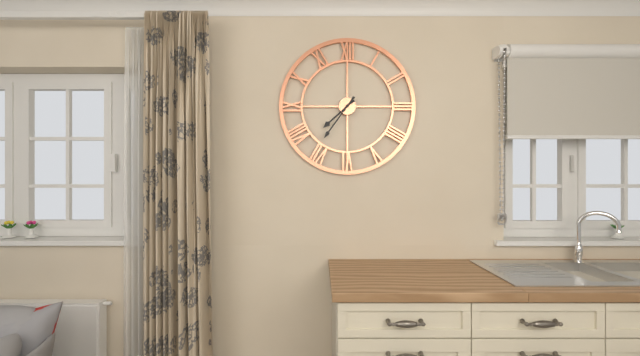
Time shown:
**7:36**
